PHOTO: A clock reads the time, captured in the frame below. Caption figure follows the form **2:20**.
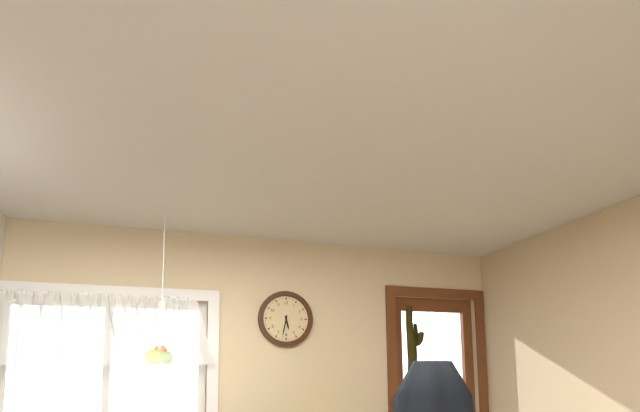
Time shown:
**5:32**
